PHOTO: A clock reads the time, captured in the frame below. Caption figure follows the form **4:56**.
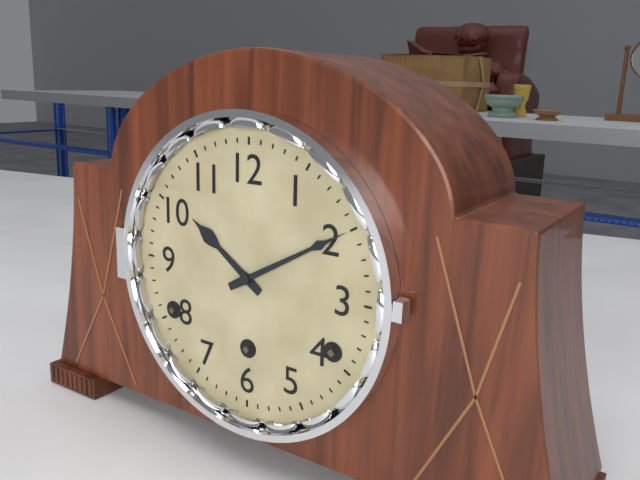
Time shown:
**10:10**
